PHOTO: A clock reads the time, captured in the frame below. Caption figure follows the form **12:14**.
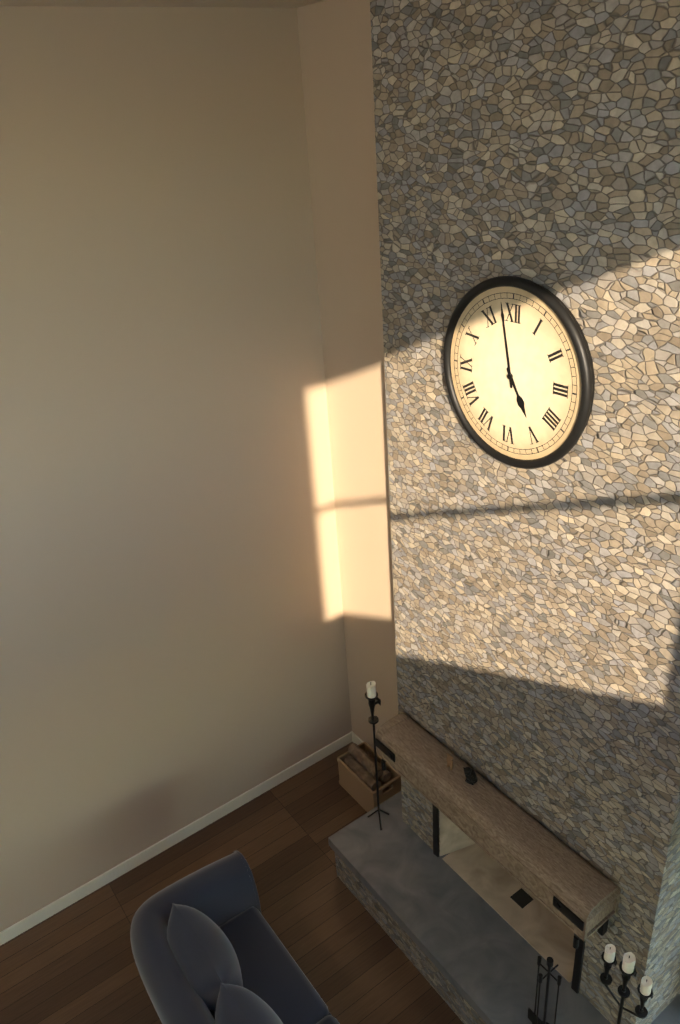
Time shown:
**4:58**
